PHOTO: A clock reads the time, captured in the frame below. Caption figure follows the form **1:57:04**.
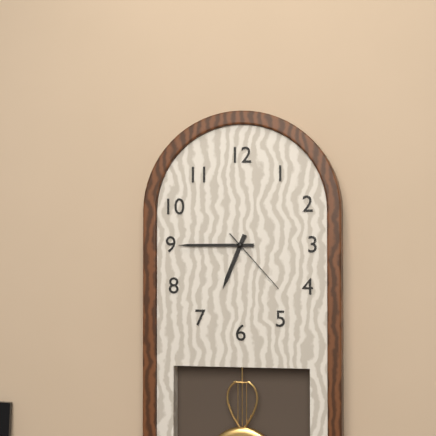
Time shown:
**6:45:23**
